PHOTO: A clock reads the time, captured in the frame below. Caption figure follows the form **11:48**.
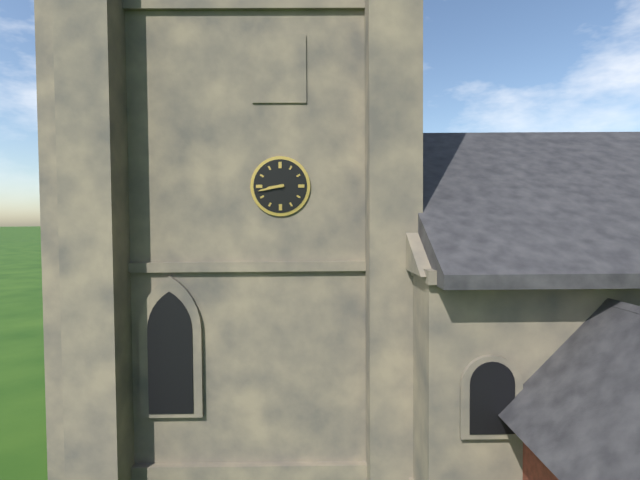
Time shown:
**8:43**
